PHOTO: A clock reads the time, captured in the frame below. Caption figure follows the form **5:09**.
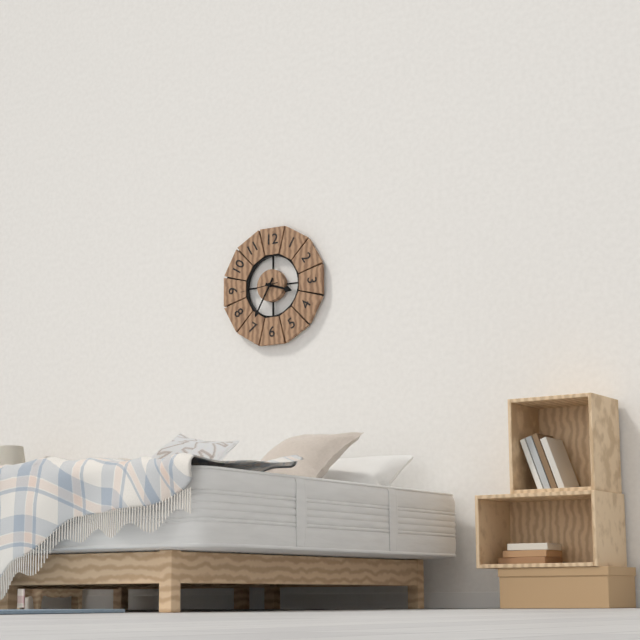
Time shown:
**3:35**
